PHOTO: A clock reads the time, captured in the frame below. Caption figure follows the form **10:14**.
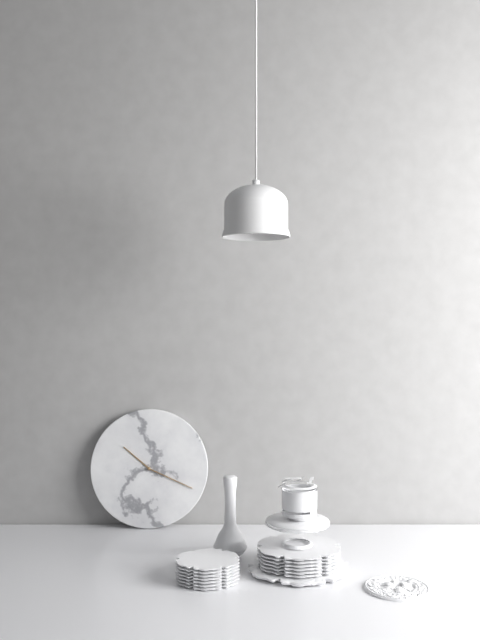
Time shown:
**10:19**
